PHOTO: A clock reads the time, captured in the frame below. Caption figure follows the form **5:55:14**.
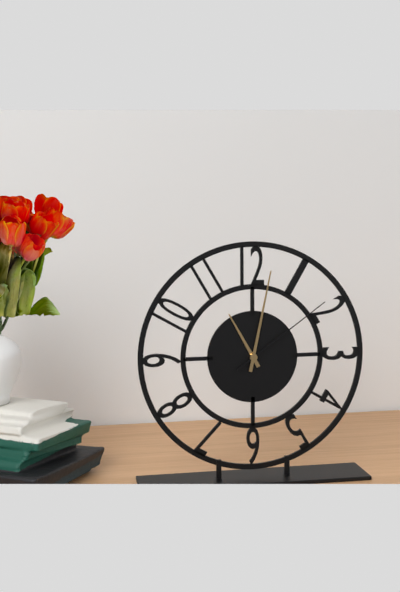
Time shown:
**11:02:09**
